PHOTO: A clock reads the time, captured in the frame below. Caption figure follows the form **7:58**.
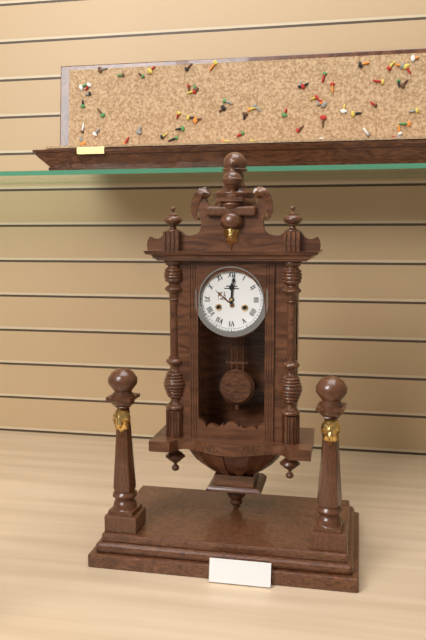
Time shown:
**12:01**
